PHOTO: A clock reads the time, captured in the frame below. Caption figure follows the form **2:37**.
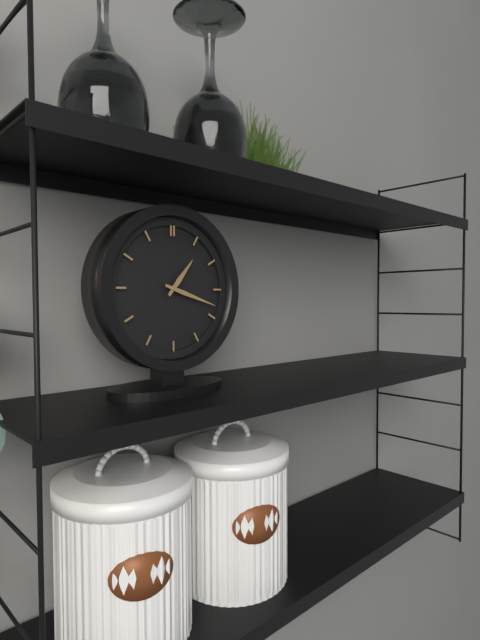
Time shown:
**1:18**
